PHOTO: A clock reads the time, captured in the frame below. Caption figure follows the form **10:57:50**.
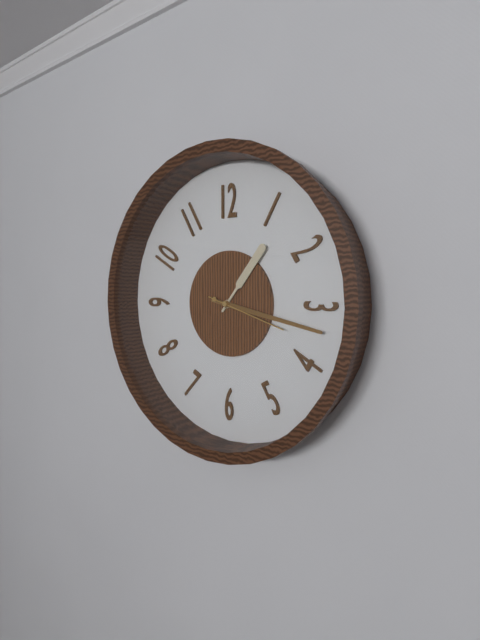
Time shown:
**1:17:18**
